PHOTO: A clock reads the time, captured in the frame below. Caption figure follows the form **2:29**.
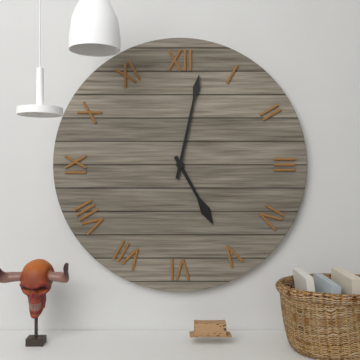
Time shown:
**5:02**
